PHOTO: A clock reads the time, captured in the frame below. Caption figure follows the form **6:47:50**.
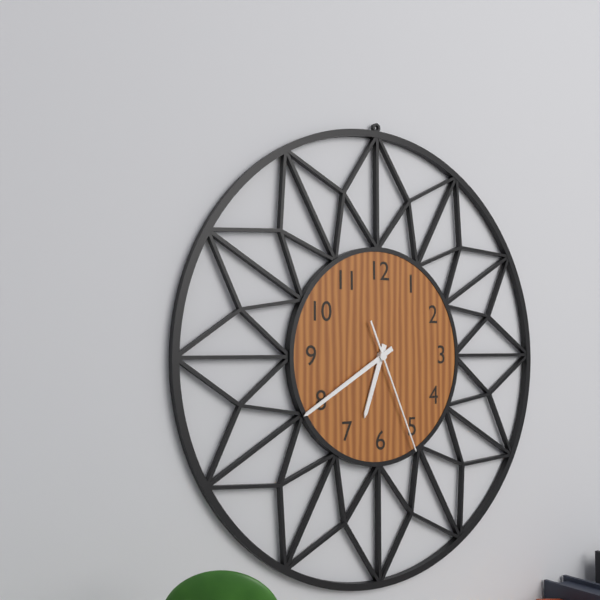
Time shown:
**6:40:26**
